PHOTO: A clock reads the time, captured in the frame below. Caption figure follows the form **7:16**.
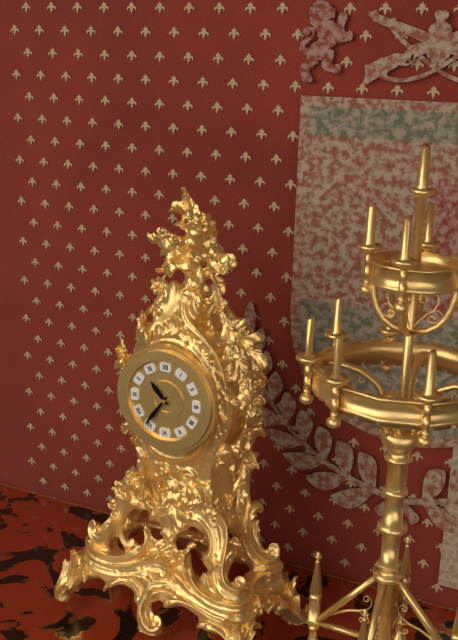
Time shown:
**10:36**
